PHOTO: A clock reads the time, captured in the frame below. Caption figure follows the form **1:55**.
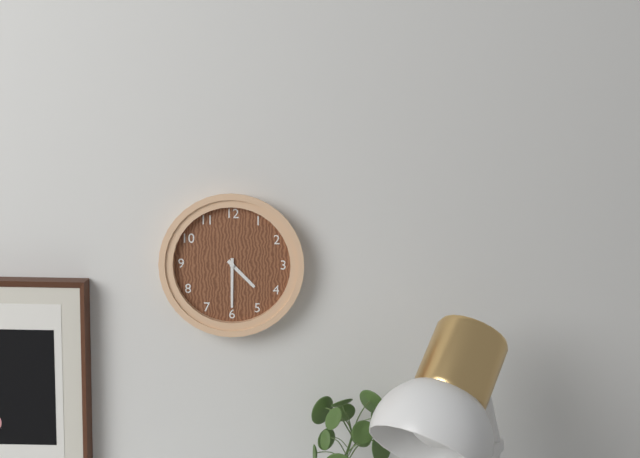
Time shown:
**4:30**
